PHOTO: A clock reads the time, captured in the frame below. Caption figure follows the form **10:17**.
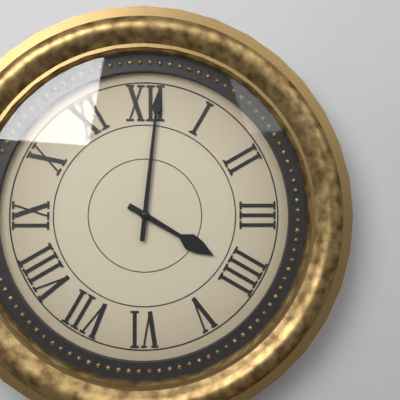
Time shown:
**4:01**
